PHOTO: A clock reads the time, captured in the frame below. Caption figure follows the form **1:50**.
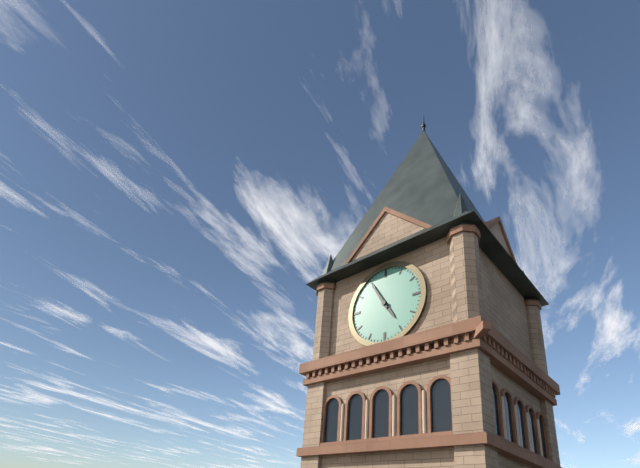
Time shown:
**4:55**
